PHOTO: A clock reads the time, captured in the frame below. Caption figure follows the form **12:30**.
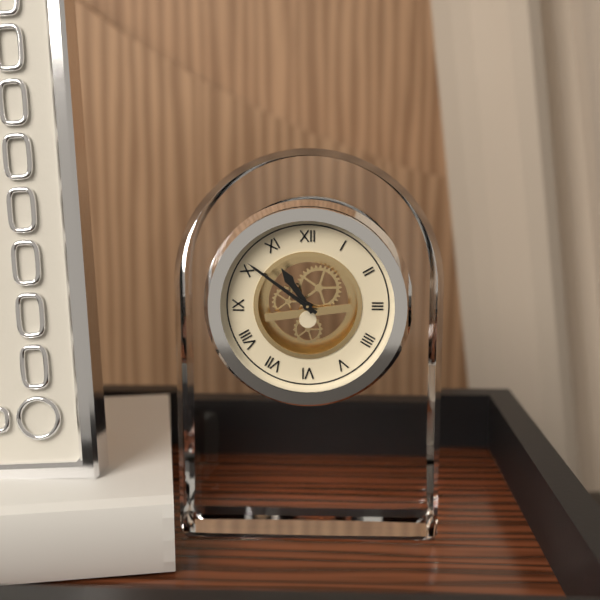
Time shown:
**10:51**
